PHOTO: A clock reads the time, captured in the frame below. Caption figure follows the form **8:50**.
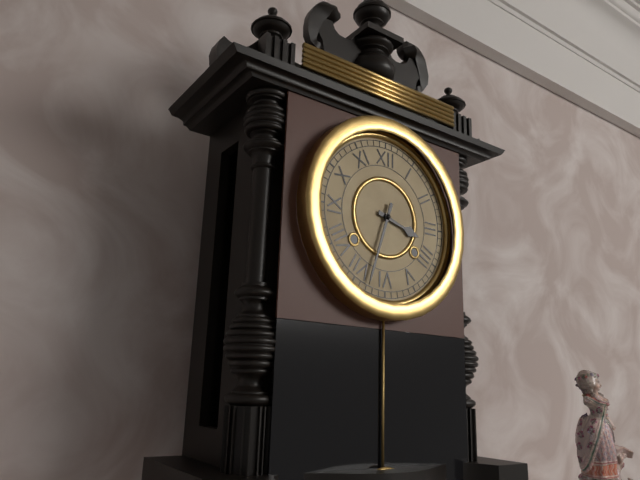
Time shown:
**3:33**
